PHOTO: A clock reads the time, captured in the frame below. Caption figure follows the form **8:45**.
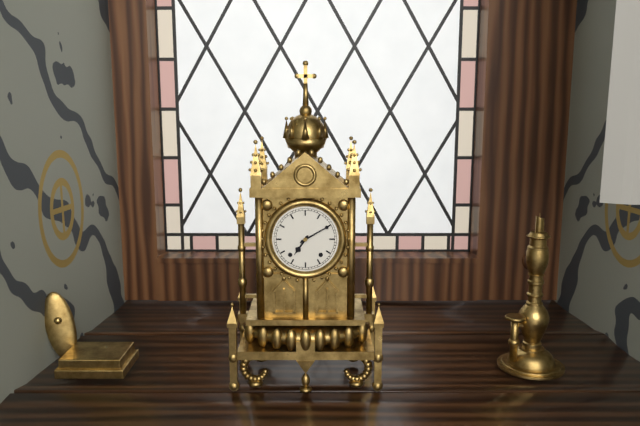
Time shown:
**7:10**
